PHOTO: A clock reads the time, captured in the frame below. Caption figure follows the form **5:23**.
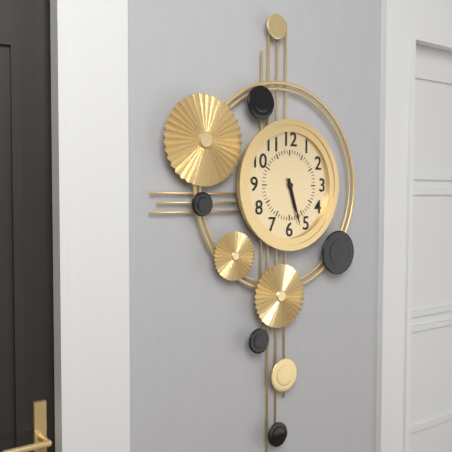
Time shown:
**5:27**
